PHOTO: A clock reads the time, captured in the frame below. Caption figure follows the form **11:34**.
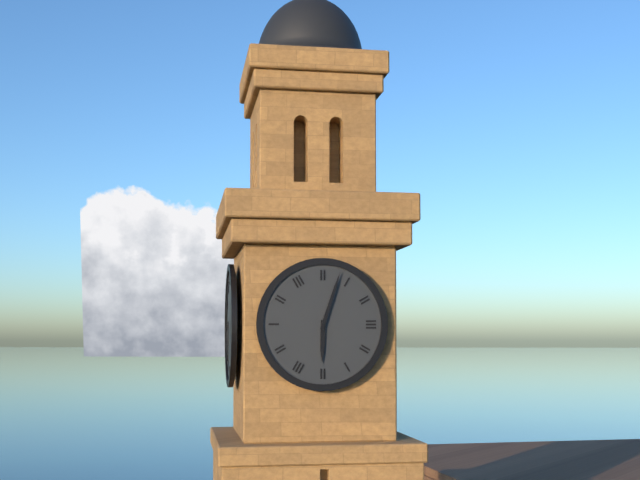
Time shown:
**6:03**
